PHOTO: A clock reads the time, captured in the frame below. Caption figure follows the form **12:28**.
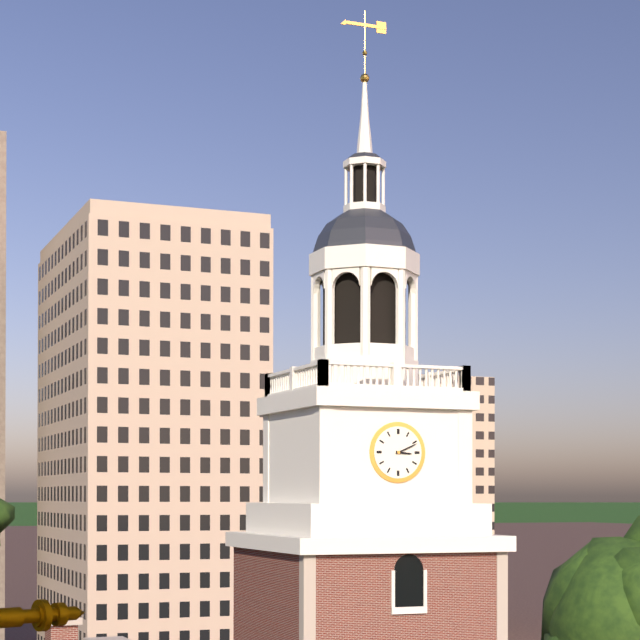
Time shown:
**3:11**
